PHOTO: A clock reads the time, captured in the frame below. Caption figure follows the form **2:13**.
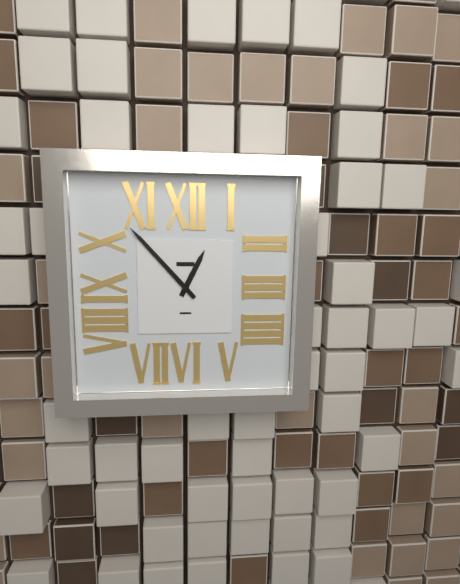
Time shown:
**12:53**
